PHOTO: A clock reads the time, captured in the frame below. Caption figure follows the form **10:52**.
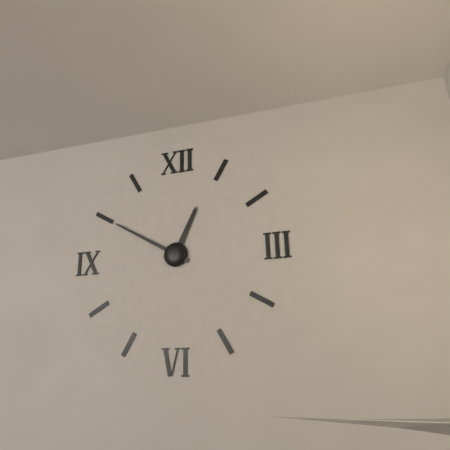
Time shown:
**12:50**
